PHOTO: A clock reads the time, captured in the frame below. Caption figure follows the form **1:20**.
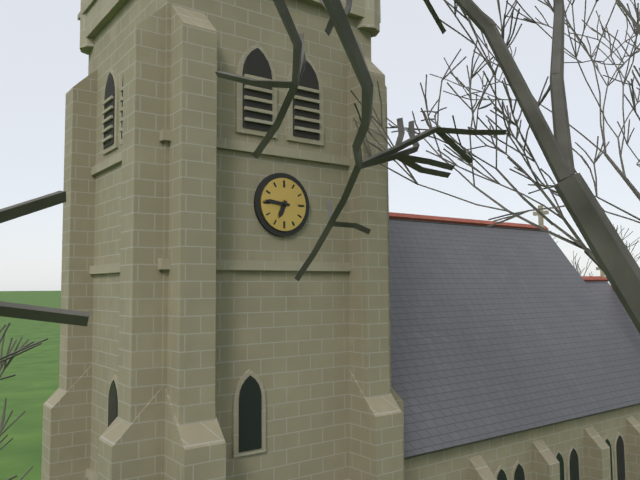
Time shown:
**6:46**
